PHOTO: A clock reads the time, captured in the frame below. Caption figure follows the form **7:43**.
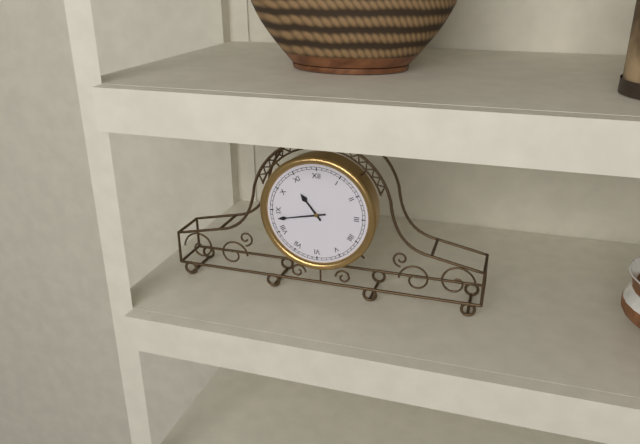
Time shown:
**10:43**
